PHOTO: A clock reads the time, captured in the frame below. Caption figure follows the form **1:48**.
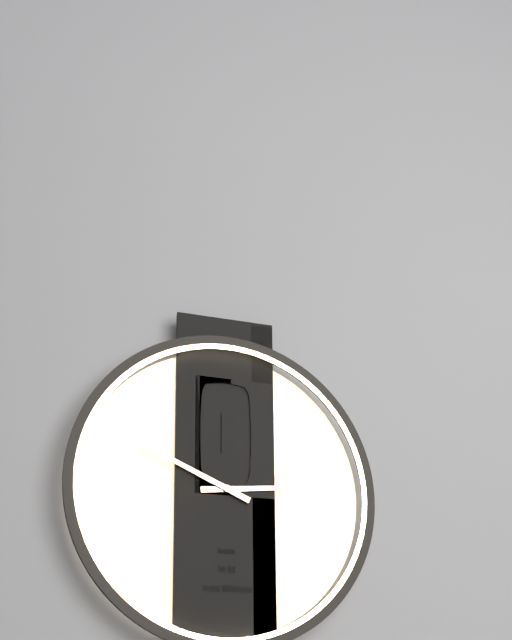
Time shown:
**2:49**
